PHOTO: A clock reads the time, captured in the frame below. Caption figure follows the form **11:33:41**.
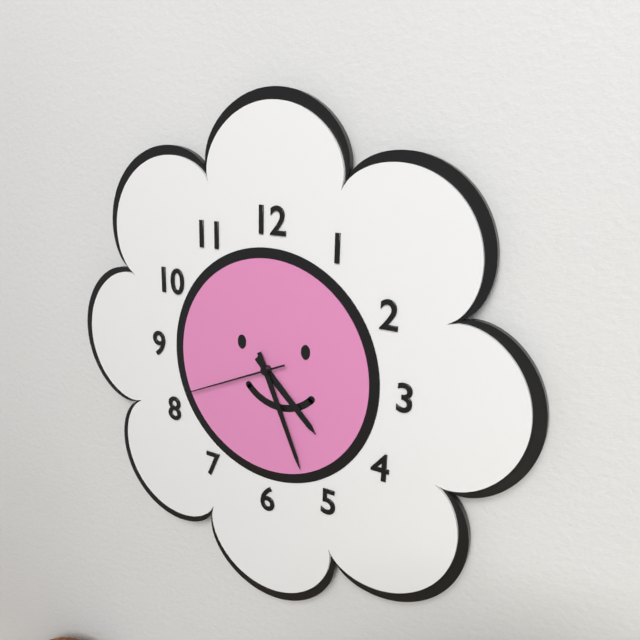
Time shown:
**4:26:41**
